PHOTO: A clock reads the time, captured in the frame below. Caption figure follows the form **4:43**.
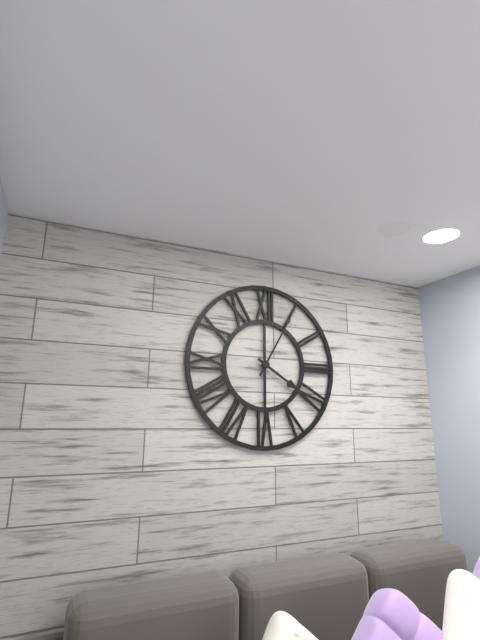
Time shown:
**4:05**
